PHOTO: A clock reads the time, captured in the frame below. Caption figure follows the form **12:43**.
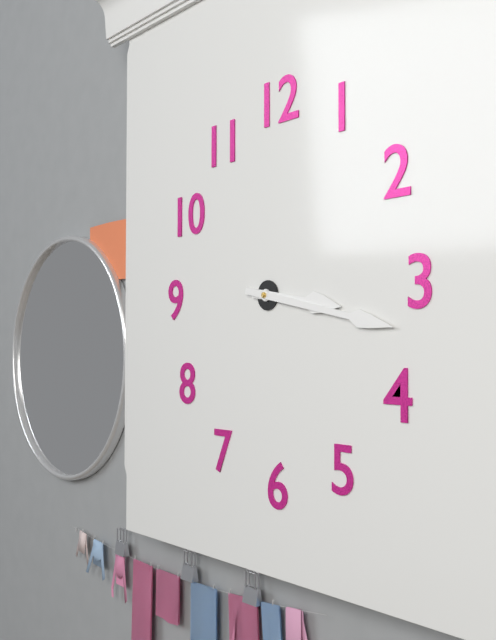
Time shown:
**3:17**
